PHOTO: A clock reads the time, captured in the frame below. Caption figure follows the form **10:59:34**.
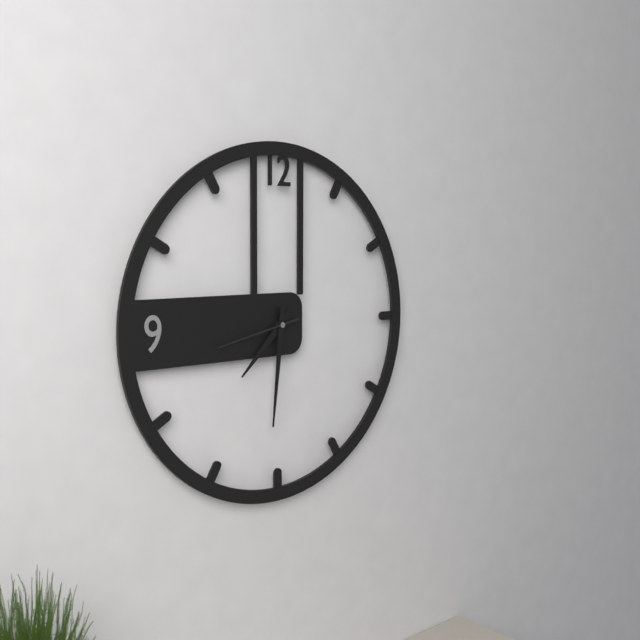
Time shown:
**7:31:43**
